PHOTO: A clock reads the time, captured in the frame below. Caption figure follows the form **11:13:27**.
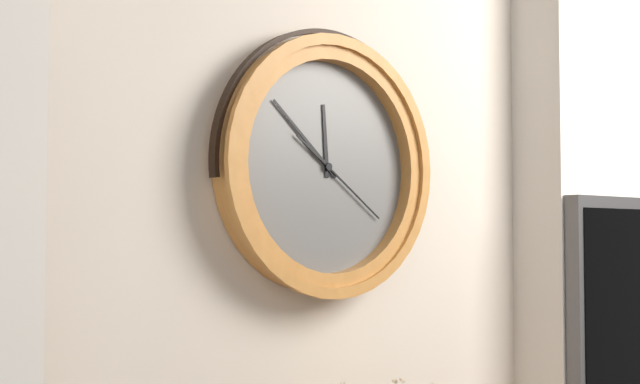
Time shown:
**11:52:21**
